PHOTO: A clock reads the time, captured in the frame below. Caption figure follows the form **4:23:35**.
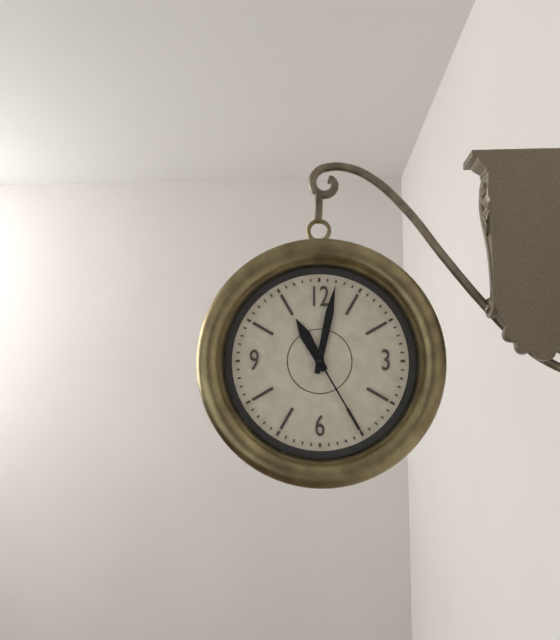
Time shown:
**11:02:25**
